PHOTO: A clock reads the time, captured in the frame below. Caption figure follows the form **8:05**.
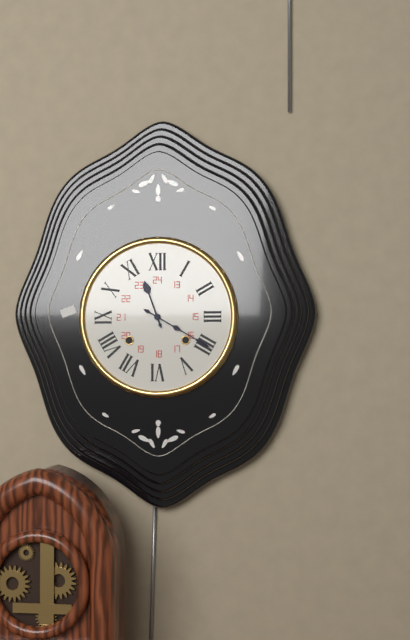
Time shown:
**11:20**
